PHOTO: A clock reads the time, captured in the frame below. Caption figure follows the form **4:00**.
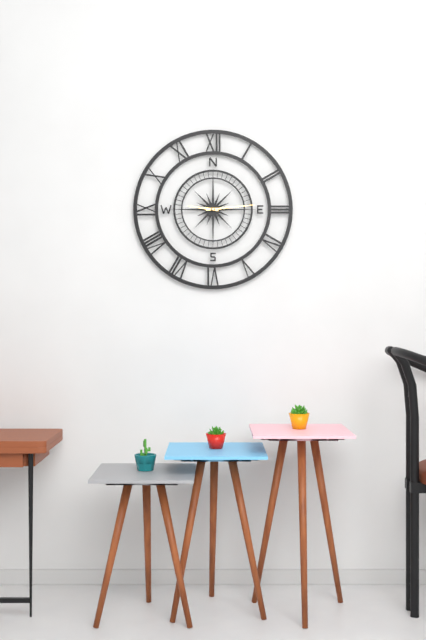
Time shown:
**9:14**
